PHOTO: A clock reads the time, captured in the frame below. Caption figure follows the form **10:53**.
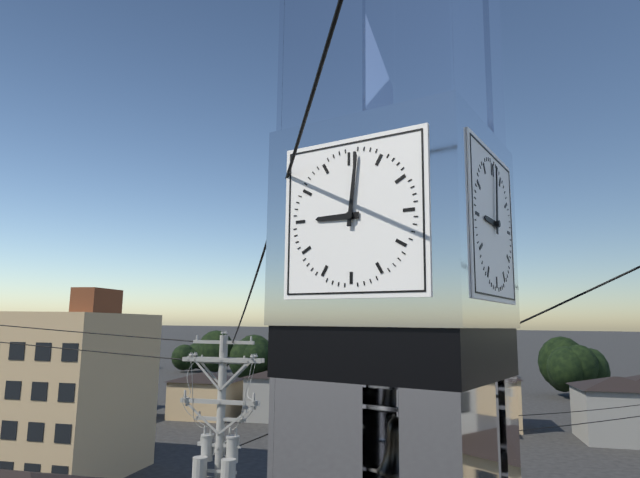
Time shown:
**9:01**
